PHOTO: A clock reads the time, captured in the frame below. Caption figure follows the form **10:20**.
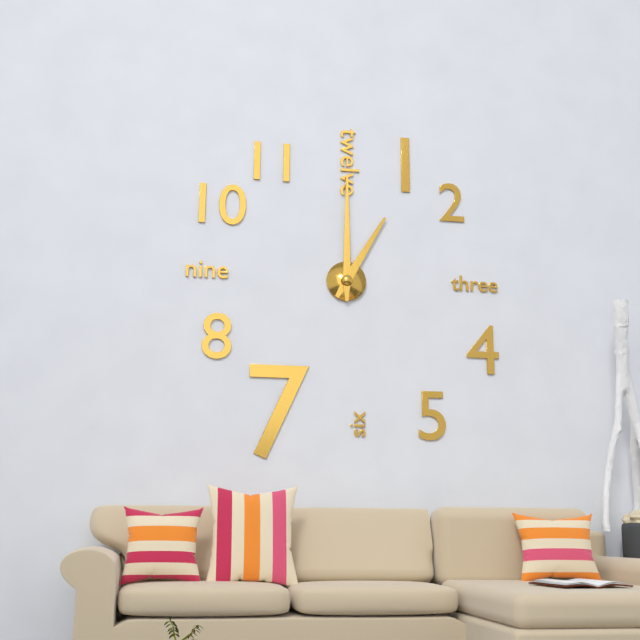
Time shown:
**1:00**
